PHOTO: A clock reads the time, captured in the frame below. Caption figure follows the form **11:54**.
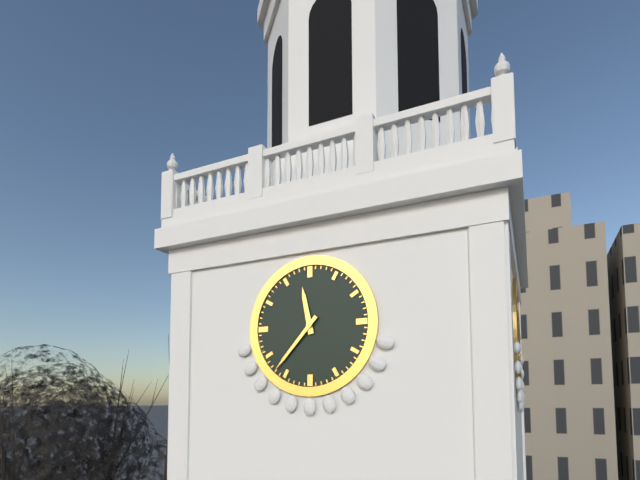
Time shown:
**11:37**
